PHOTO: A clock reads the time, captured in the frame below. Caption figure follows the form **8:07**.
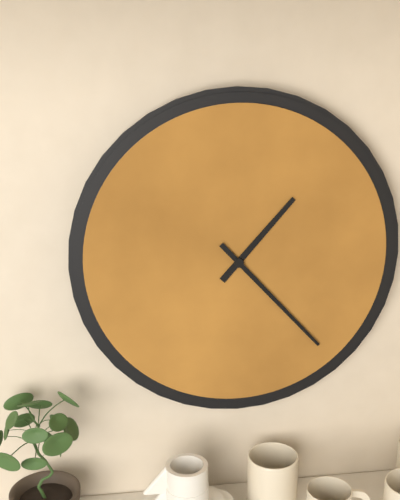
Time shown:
**1:23**
